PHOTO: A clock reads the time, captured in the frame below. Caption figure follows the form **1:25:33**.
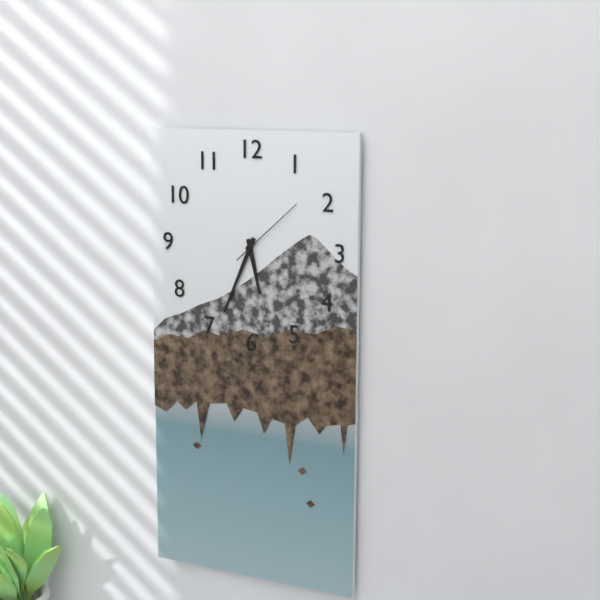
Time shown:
**5:34:08**
